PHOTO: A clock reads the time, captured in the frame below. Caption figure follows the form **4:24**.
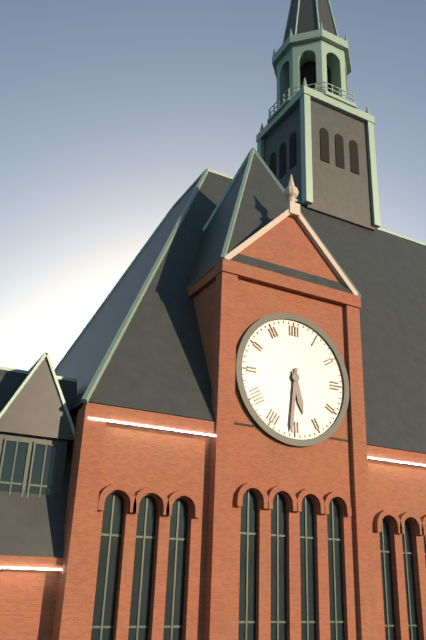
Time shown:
**5:31**
